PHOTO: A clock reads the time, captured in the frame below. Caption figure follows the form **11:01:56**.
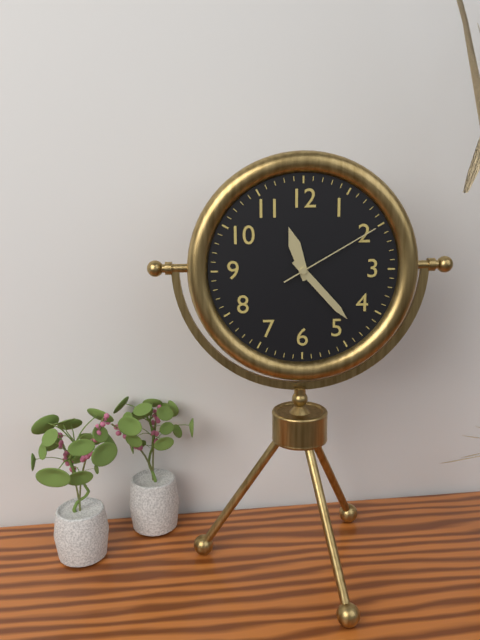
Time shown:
**11:23:10**
